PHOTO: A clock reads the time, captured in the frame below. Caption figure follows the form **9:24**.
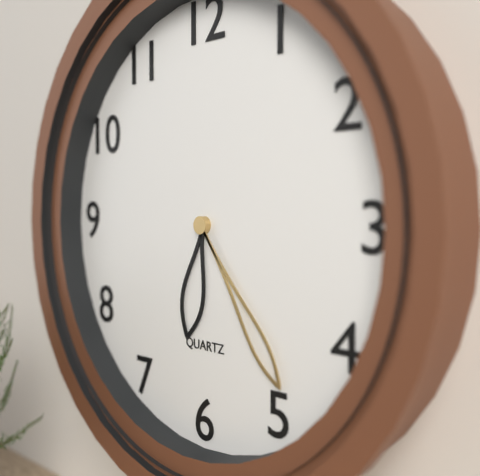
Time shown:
**6:24**
